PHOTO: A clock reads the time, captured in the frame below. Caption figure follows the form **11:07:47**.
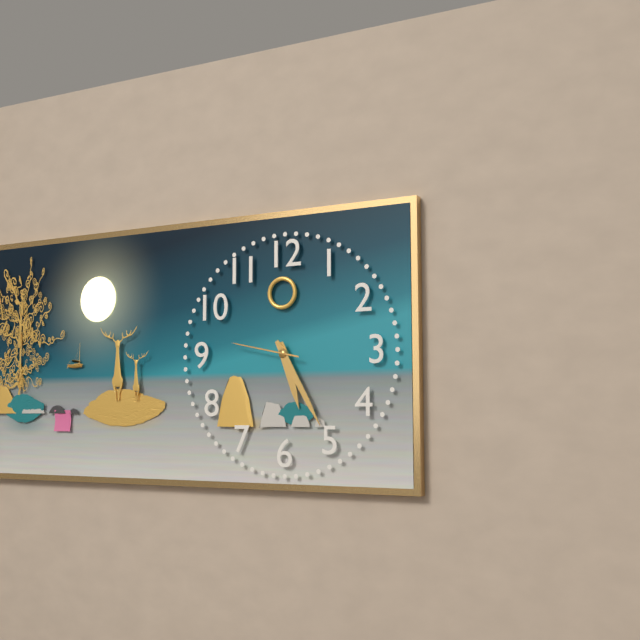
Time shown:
**5:25:47**
